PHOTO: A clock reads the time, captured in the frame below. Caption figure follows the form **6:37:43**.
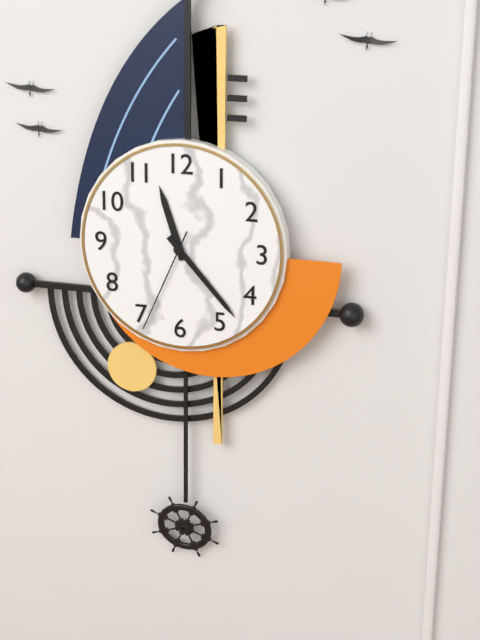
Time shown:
**11:23:34**
